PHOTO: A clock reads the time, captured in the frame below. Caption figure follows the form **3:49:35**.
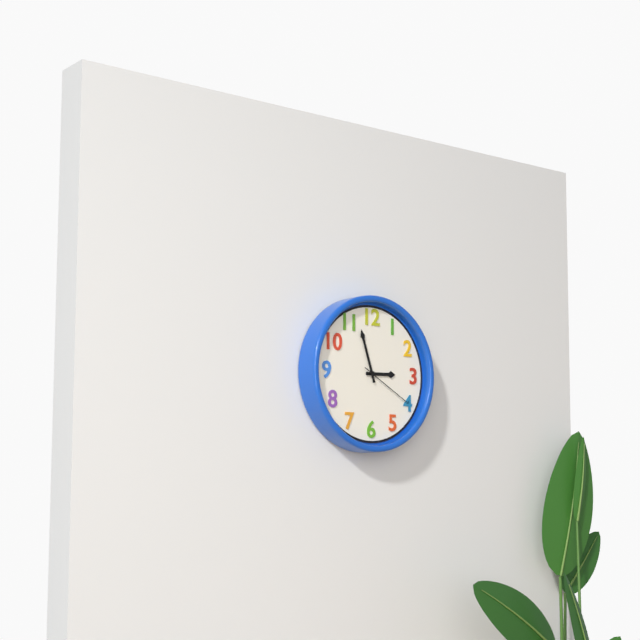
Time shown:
**2:57:20**
